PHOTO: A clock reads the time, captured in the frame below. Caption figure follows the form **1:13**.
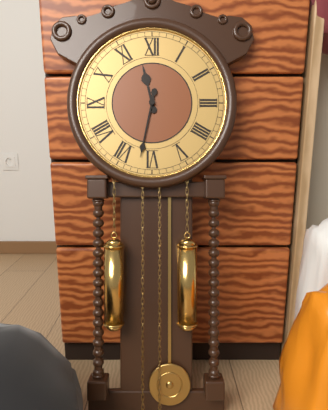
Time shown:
**11:32**
